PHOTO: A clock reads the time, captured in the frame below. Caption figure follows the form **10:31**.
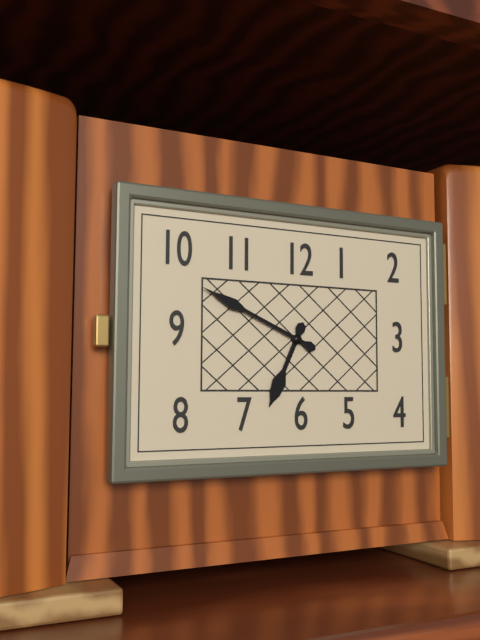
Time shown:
**6:49**
